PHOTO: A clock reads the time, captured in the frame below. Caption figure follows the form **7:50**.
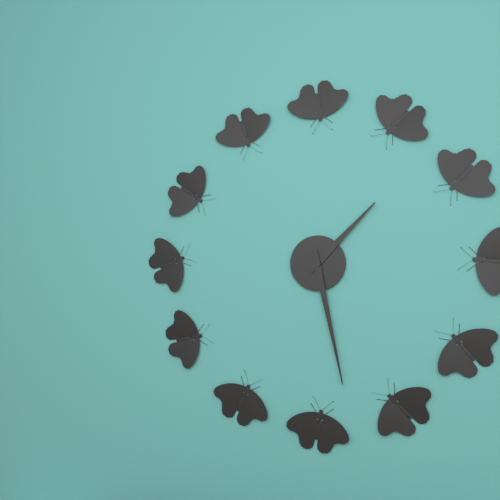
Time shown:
**1:28**
